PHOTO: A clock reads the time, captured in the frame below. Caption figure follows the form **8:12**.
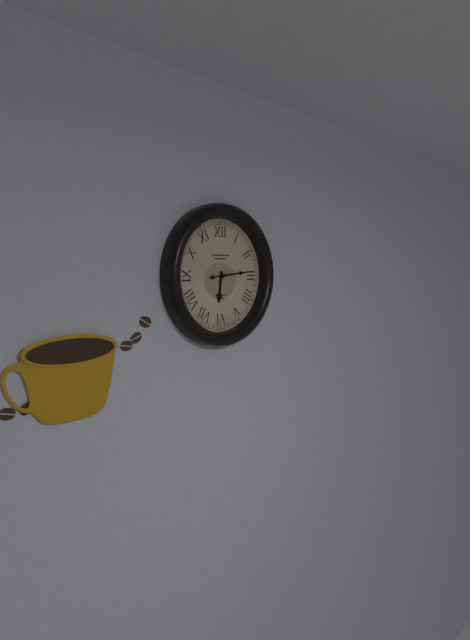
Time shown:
**6:14**
